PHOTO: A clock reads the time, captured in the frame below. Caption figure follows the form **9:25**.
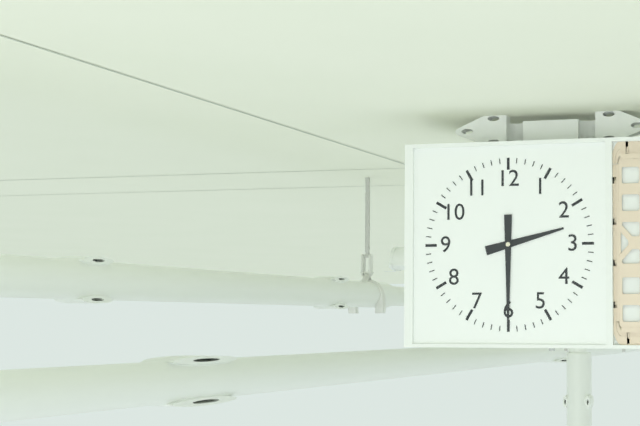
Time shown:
**2:30**
